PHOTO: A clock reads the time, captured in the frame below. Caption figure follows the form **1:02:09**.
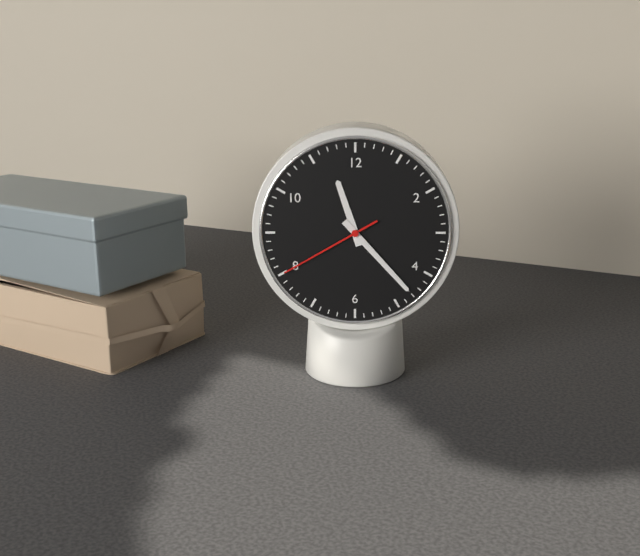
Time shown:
**11:23:40**
